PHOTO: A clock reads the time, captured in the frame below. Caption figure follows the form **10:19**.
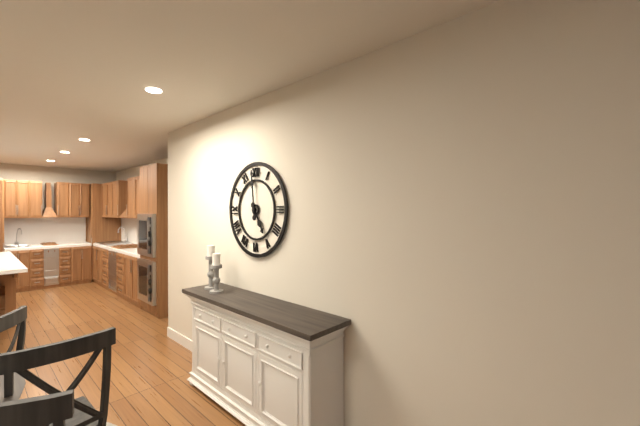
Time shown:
**4:59**
